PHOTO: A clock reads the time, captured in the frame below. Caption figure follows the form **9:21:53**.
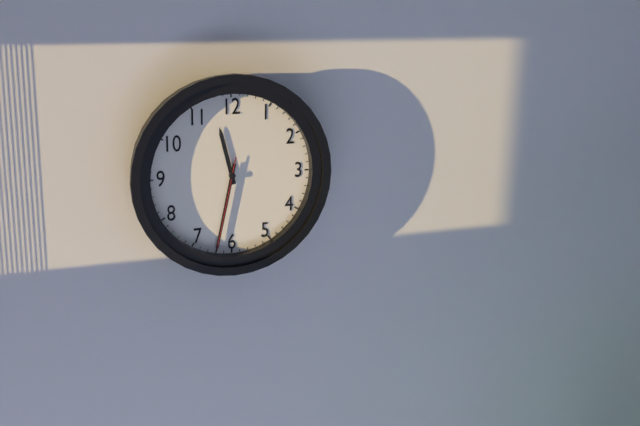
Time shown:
**11:32:32**
